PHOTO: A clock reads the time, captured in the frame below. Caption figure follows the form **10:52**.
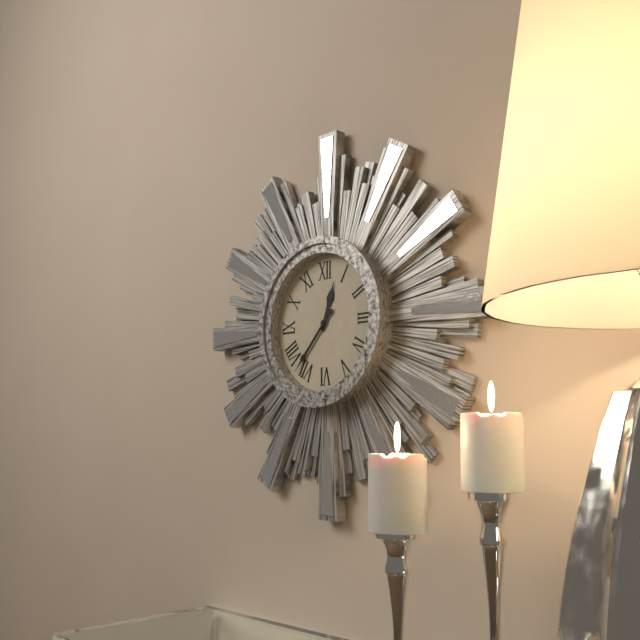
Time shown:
**12:37**
